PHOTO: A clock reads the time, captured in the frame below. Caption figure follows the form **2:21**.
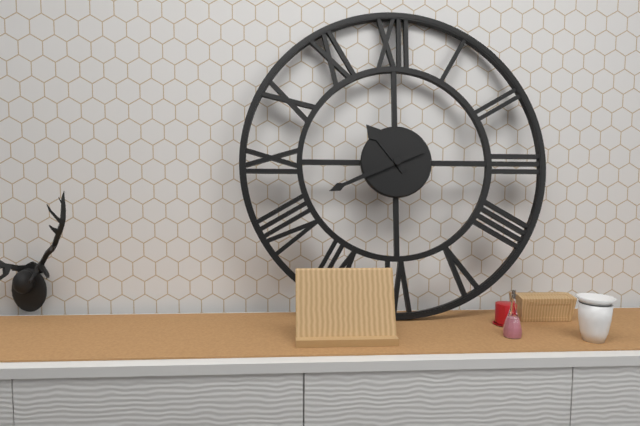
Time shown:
**10:41**
